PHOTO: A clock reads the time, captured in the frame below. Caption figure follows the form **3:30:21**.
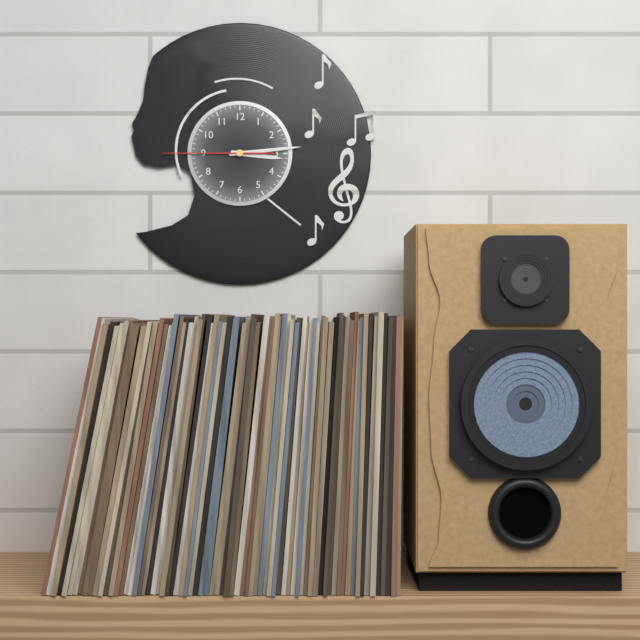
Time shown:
**3:14:45**
